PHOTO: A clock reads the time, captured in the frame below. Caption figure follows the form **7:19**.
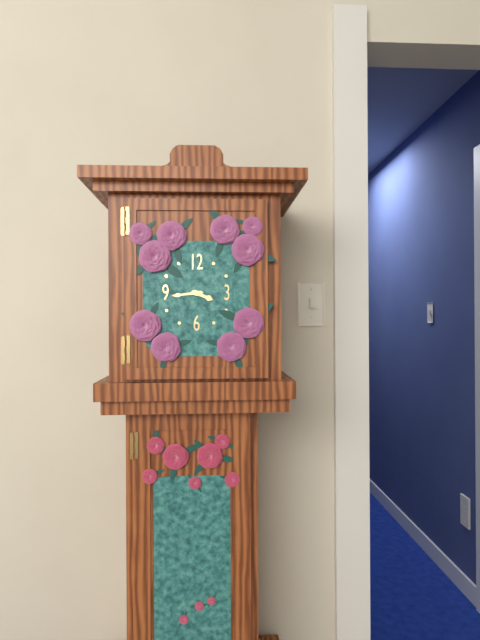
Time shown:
**3:44**
